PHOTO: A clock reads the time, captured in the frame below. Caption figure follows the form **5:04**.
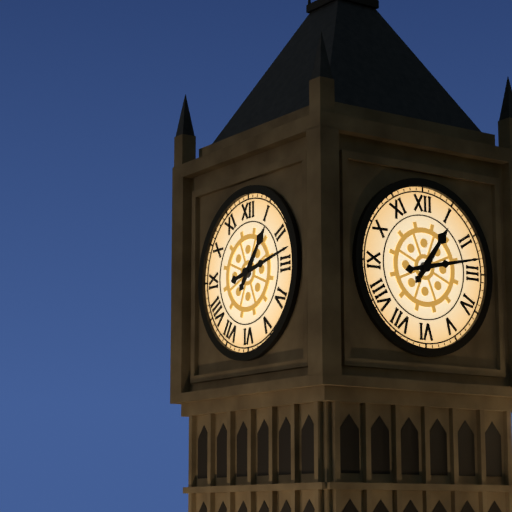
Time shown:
**1:13**
